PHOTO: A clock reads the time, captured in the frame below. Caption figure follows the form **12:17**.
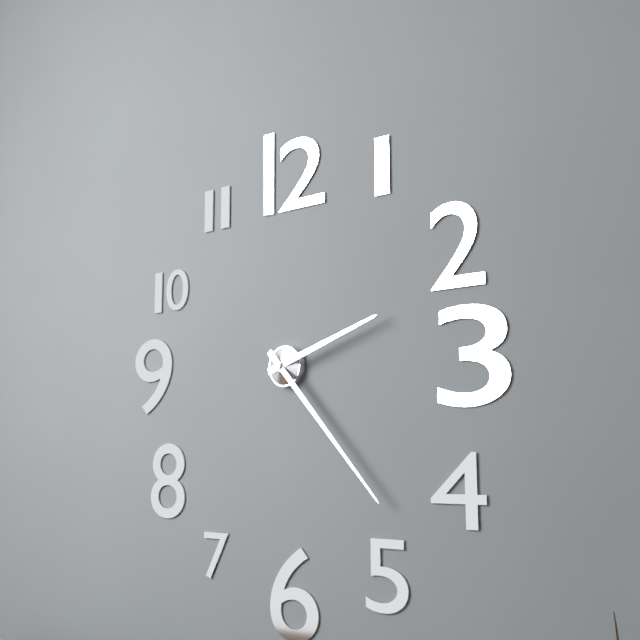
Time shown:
**2:23**
